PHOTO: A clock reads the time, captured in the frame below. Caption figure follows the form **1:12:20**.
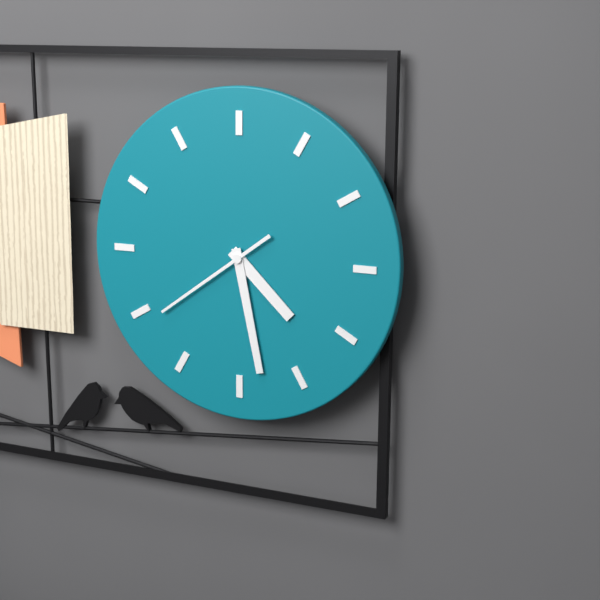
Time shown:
**4:28:39**
